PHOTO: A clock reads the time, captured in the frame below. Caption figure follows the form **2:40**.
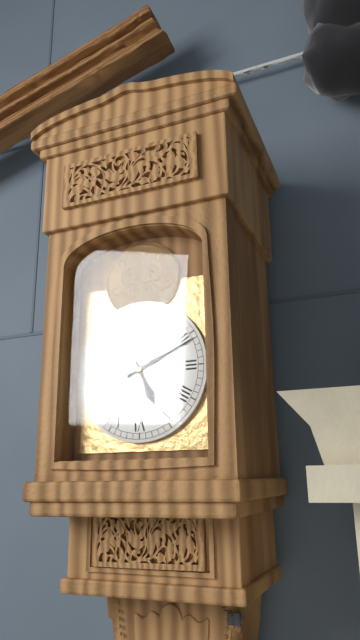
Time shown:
**5:11**
